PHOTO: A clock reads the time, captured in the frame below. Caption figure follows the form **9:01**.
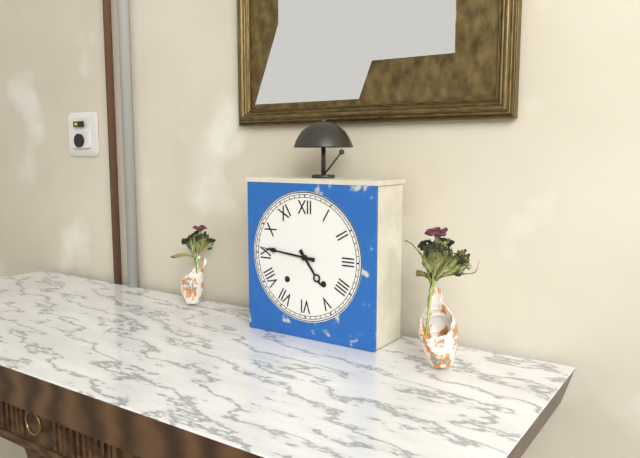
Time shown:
**4:46**
